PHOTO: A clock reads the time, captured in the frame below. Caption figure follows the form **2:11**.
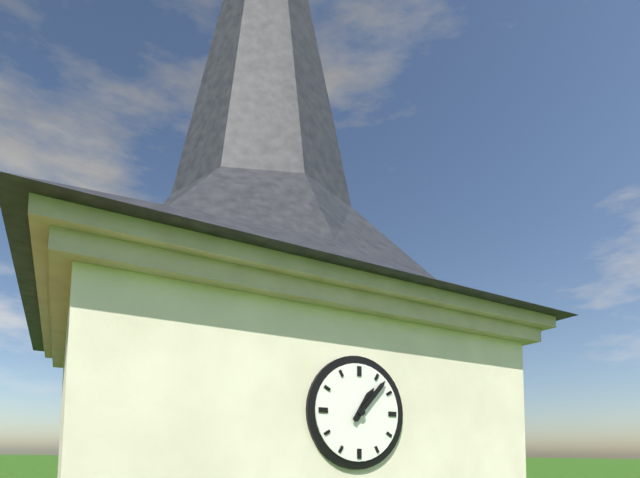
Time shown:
**1:07**
